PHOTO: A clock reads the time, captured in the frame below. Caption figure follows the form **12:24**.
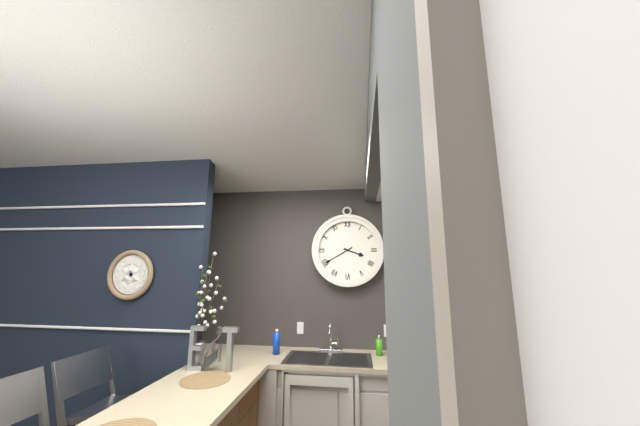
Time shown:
**3:40**
